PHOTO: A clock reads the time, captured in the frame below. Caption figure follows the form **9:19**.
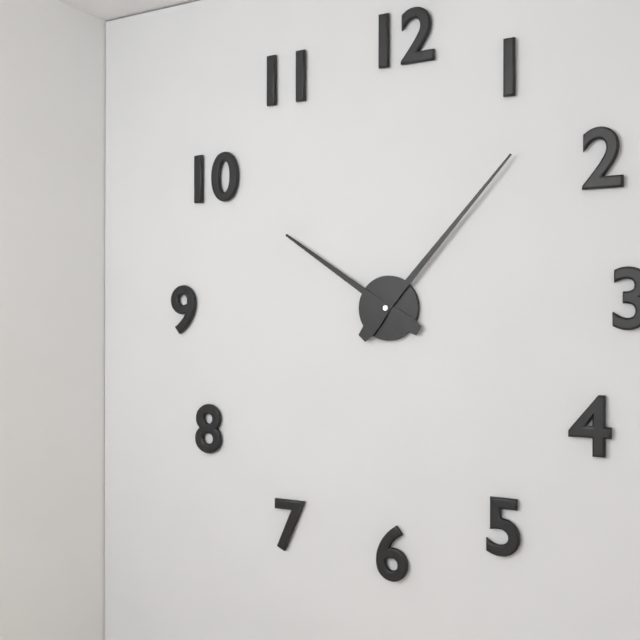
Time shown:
**10:07**
